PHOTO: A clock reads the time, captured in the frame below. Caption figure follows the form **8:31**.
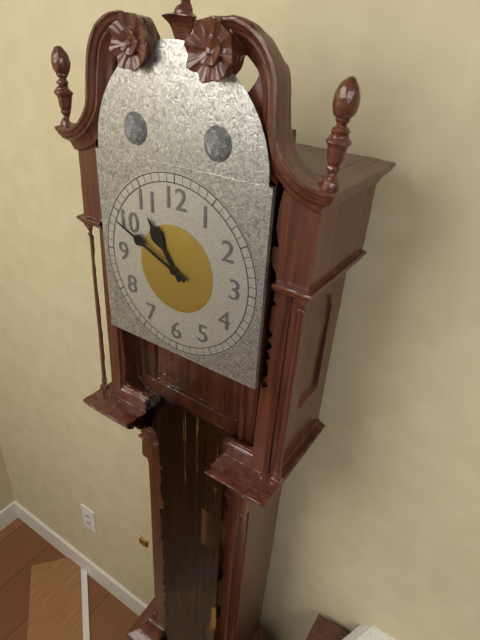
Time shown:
**10:49**
